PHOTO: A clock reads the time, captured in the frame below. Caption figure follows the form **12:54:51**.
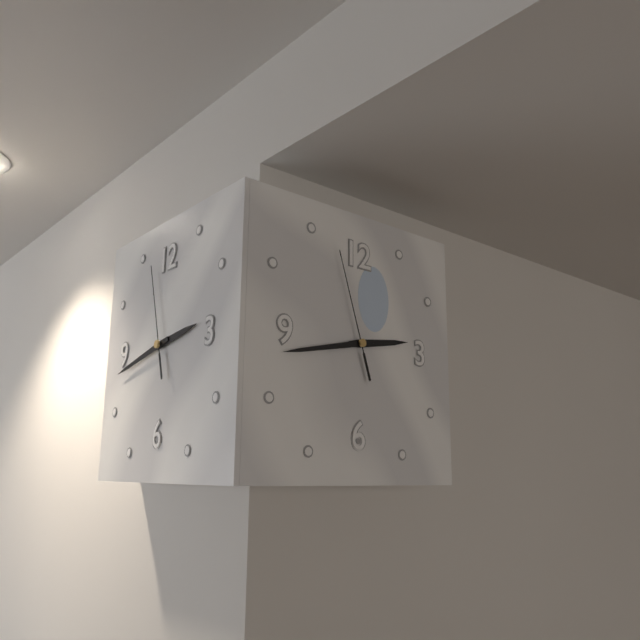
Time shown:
**2:43:57**
